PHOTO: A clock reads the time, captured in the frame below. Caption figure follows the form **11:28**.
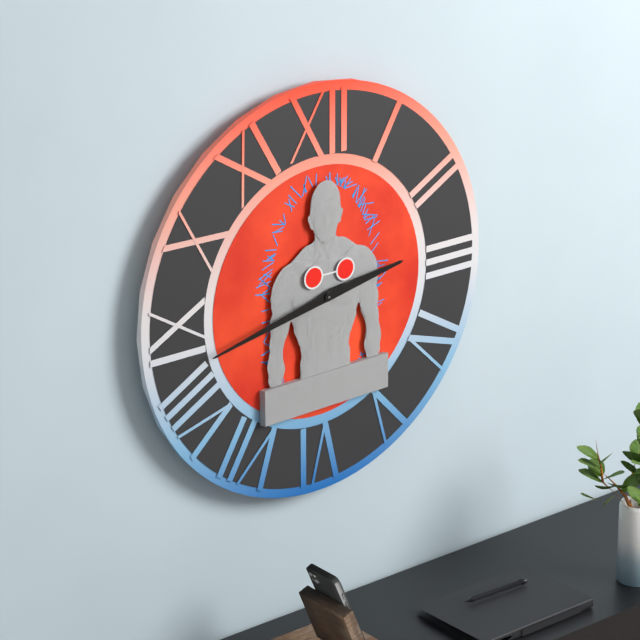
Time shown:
**2:43**
